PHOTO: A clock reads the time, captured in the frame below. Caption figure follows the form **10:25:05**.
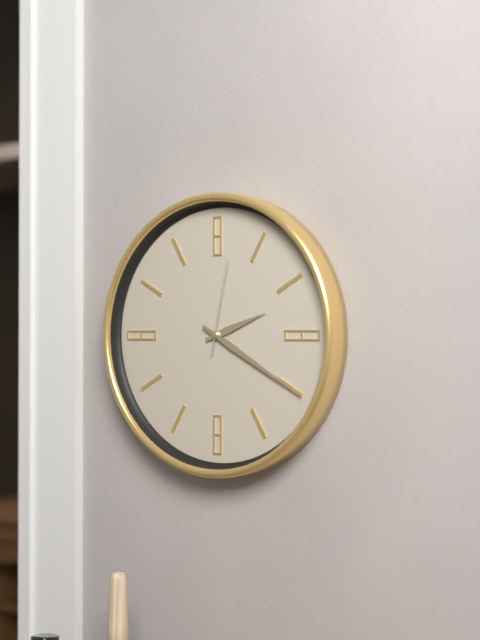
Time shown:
**2:20:02**
